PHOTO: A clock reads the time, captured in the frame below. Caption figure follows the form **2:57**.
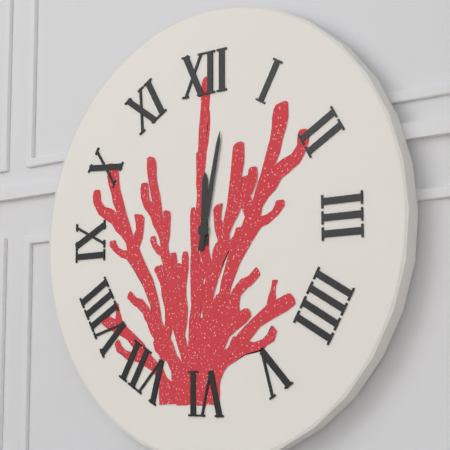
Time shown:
**12:02**
